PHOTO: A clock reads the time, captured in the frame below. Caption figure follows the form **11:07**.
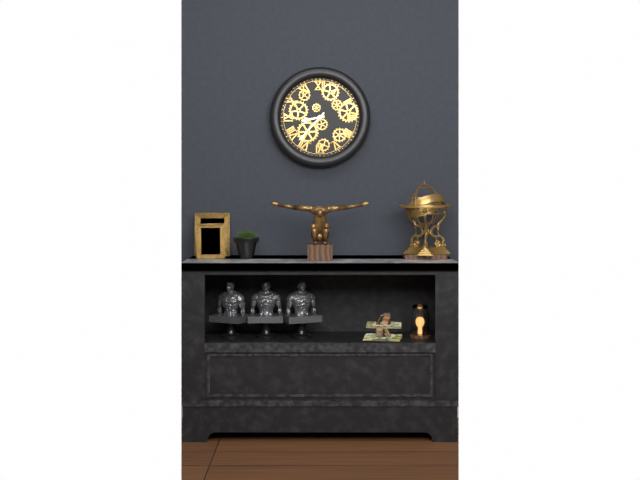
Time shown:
**8:37**
